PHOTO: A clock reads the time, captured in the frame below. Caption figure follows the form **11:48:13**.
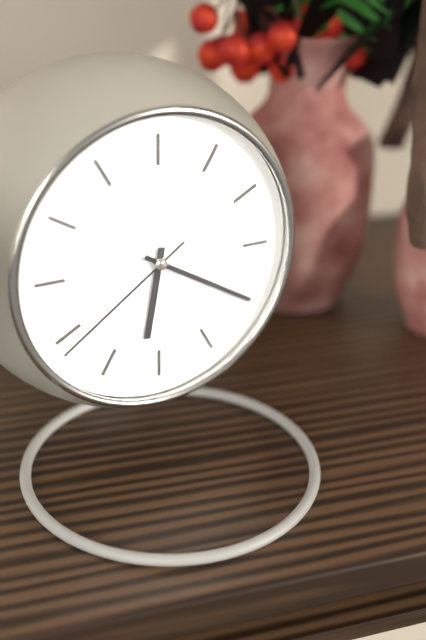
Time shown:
**6:20:39**
